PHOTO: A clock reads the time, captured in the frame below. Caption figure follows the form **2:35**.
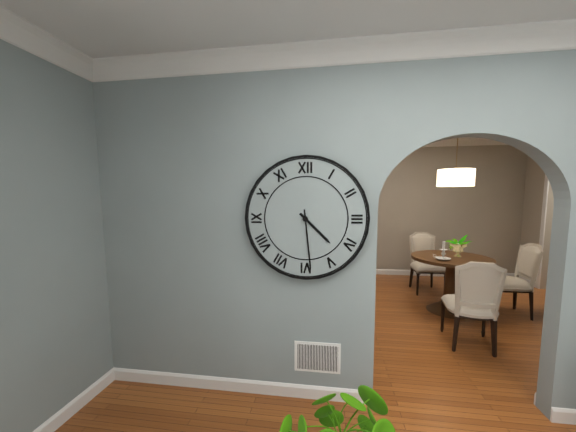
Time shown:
**4:29**
